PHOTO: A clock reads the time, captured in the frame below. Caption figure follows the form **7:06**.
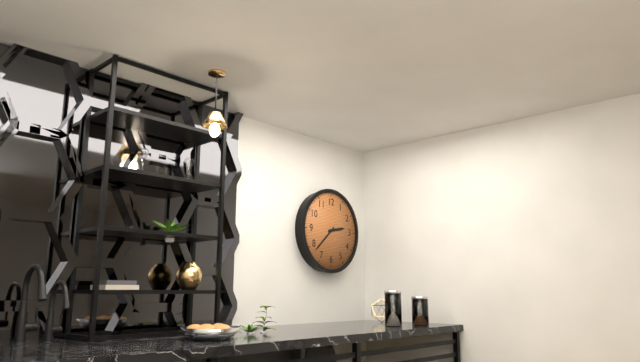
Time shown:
**2:38**
